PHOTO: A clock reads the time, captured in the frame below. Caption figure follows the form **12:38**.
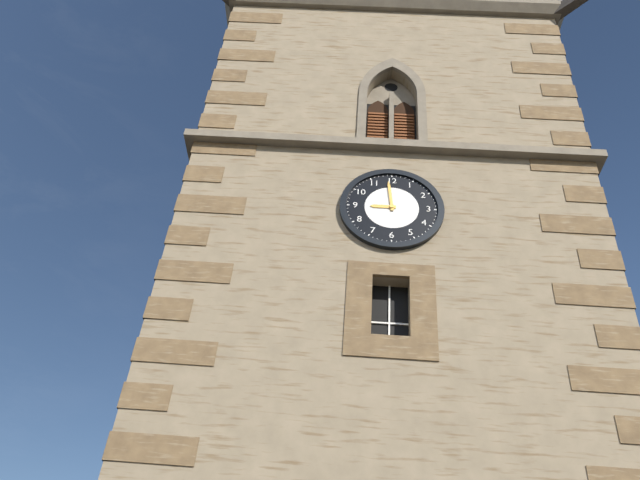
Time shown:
**8:59**
